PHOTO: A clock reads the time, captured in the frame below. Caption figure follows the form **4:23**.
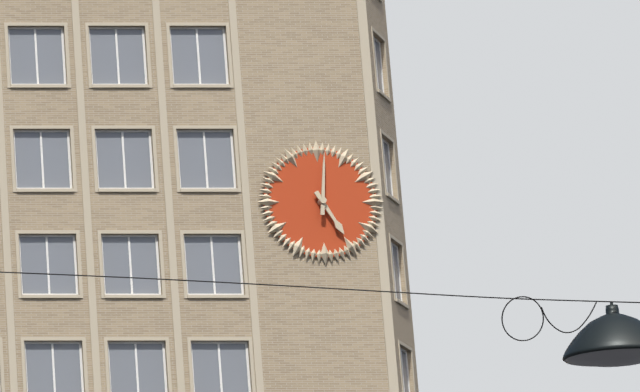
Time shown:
**5:01**
